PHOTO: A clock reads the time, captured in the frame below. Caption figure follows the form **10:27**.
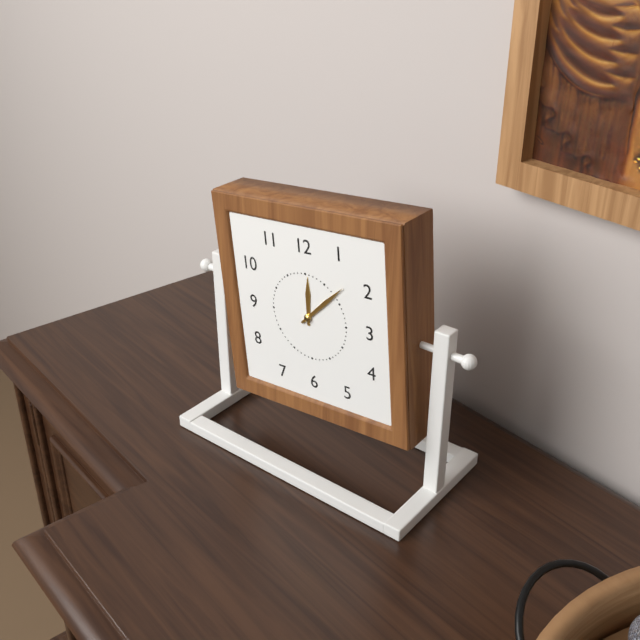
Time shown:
**12:08**
